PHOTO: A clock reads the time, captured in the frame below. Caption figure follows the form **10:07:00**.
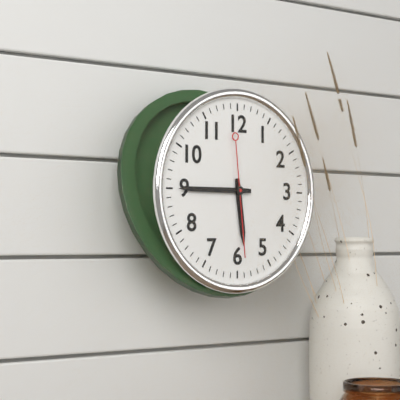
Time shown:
**5:45:29**
